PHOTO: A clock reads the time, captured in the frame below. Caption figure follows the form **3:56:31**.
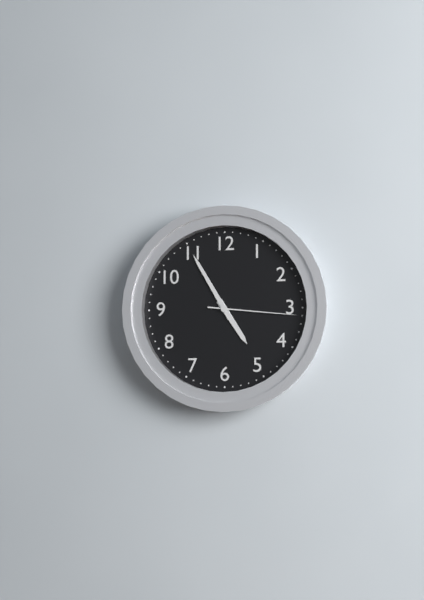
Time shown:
**4:55:16**
